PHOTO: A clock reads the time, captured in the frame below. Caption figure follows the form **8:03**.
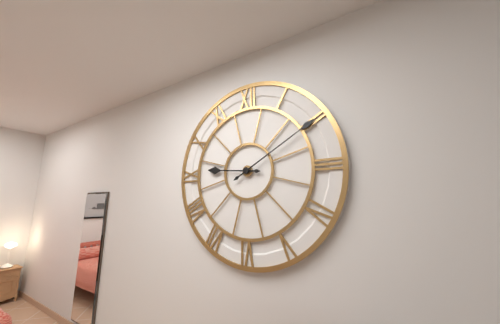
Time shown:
**9:10**
